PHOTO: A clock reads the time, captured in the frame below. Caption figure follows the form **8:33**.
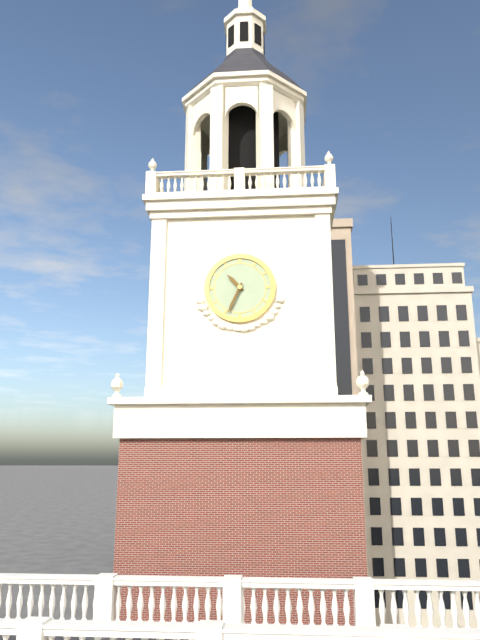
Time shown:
**10:34**
